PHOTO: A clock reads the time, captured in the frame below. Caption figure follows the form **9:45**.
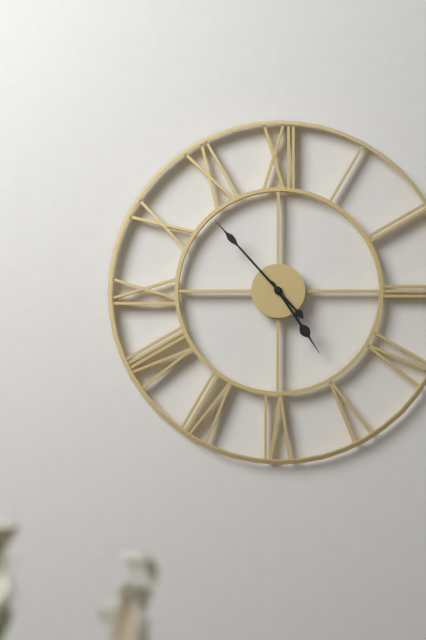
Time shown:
**4:53**
